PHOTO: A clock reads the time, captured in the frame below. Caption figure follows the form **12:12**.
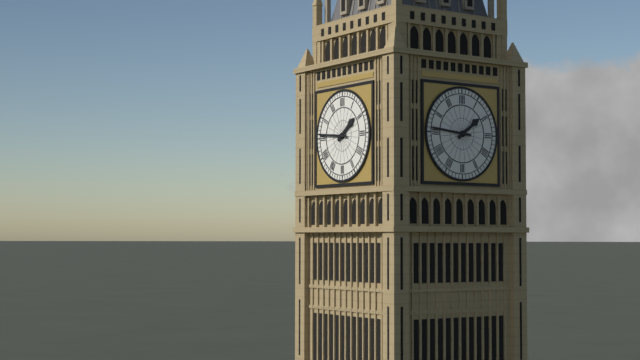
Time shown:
**1:46**
